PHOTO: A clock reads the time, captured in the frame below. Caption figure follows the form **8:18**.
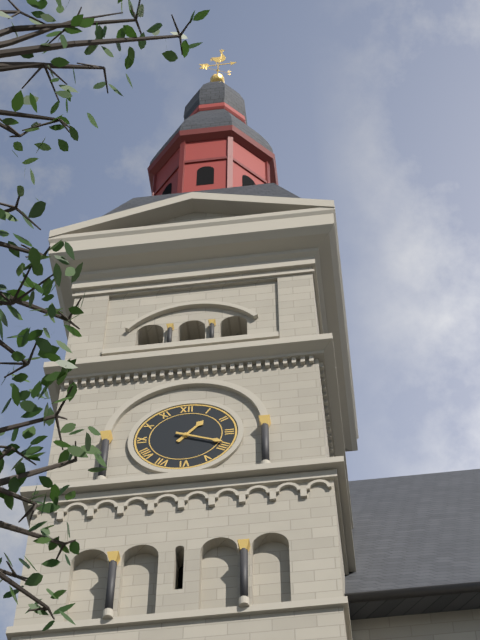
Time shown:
**1:19**
